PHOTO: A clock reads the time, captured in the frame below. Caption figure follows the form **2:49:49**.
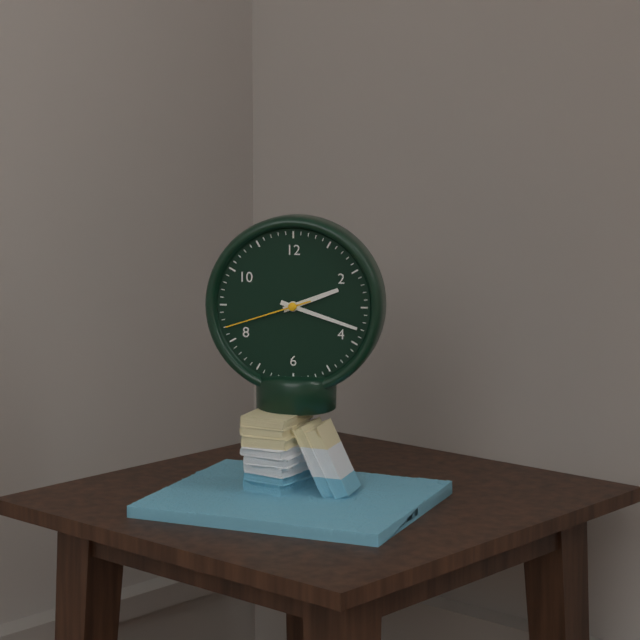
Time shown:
**2:18:42**
